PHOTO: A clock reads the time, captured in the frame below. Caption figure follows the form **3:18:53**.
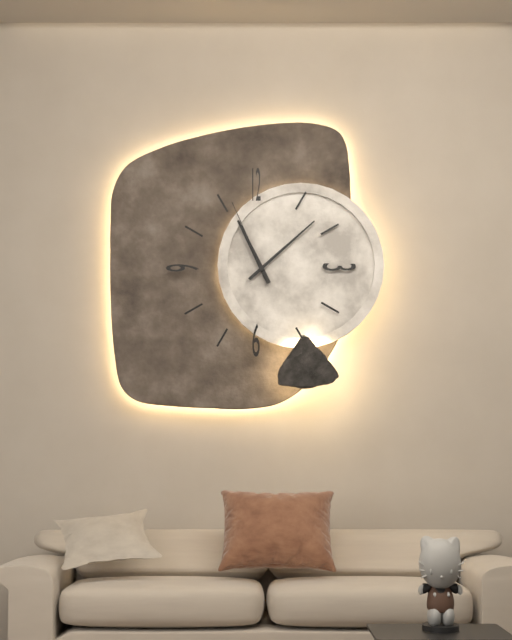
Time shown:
**11:08:56**
